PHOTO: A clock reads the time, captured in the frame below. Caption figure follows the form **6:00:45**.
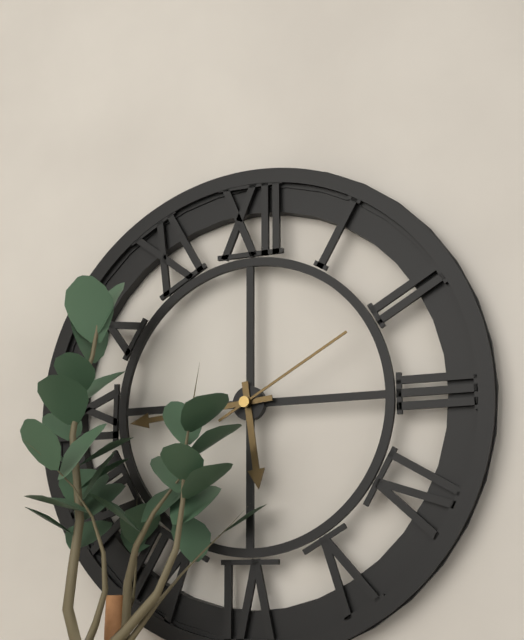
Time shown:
**5:44:10**
